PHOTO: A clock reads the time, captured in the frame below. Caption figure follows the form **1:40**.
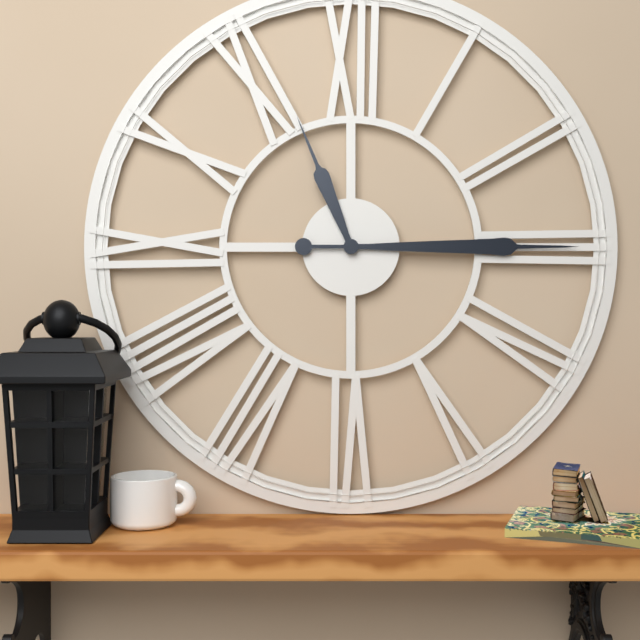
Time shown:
**11:15**
